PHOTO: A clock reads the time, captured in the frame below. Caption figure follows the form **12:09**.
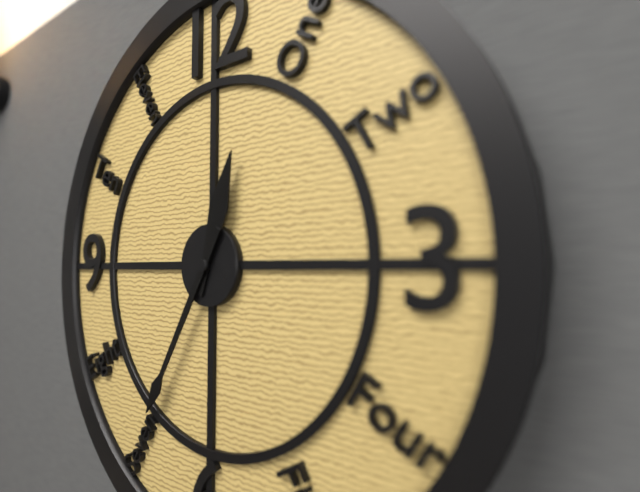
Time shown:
**12:35**
